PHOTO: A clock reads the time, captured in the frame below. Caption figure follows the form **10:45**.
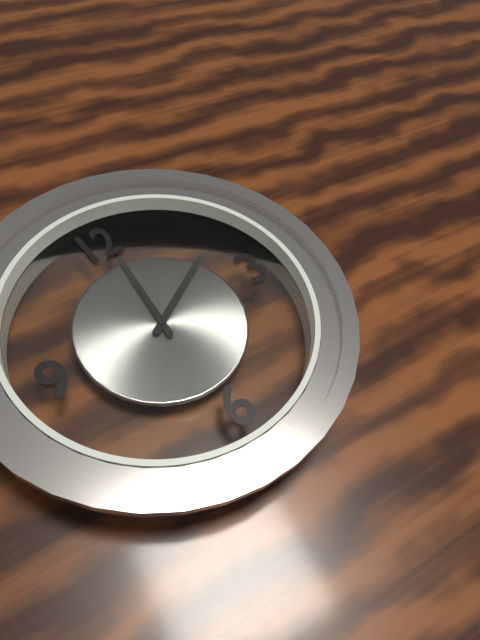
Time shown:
**2:01**
